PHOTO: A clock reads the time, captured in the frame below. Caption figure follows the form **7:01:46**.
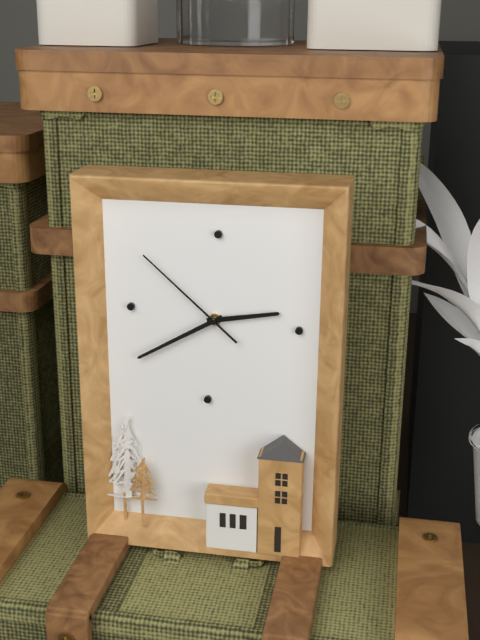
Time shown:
**2:40:52**
